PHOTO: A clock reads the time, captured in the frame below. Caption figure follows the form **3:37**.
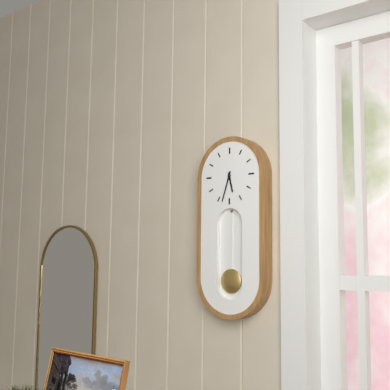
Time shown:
**5:33**
